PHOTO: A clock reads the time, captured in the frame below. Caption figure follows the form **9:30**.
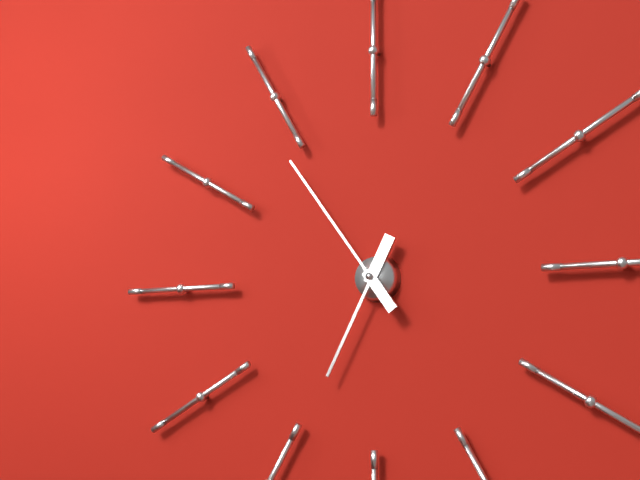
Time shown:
**6:54**
